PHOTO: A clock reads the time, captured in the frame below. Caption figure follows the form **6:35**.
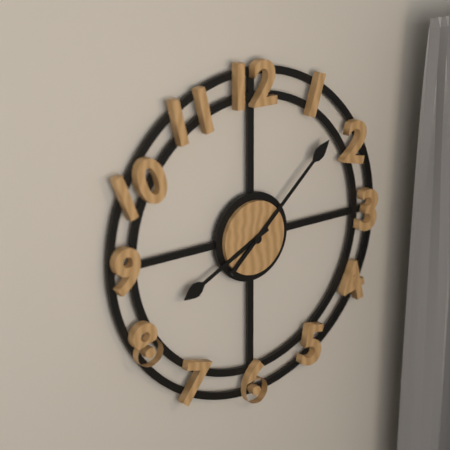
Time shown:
**8:08**
